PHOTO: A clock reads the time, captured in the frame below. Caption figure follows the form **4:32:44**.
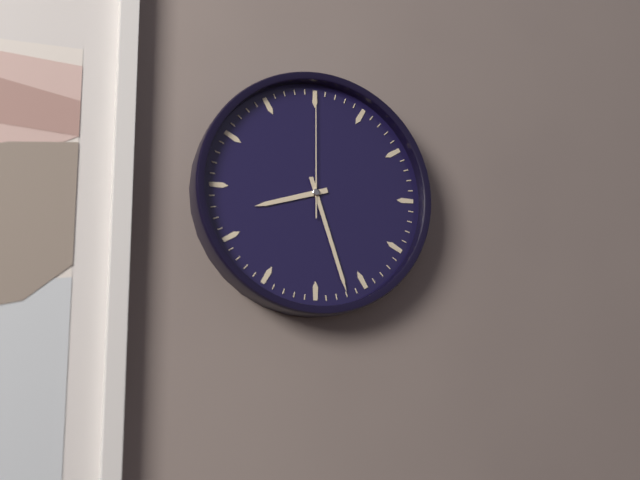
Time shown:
**8:27:00**
